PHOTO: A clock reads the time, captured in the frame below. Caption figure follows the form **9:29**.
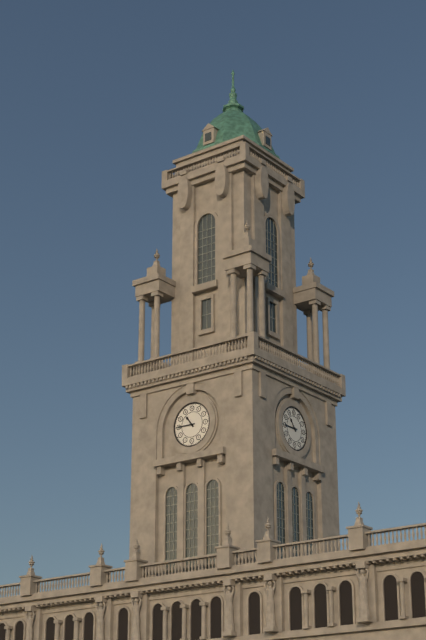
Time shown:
**10:45**
